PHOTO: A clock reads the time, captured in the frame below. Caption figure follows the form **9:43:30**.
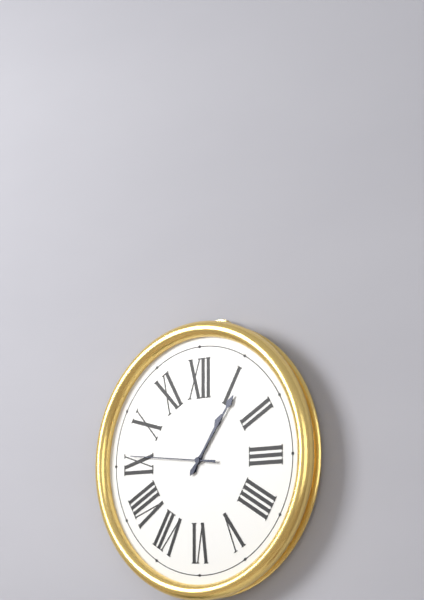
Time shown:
**1:06:46**
